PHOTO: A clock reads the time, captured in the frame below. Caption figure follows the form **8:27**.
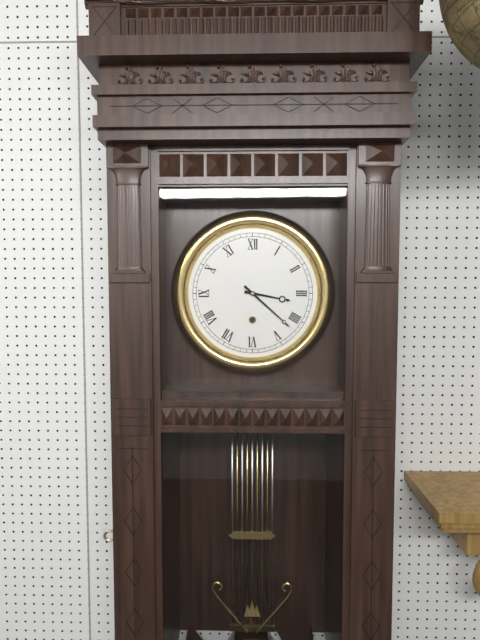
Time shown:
**3:22**
